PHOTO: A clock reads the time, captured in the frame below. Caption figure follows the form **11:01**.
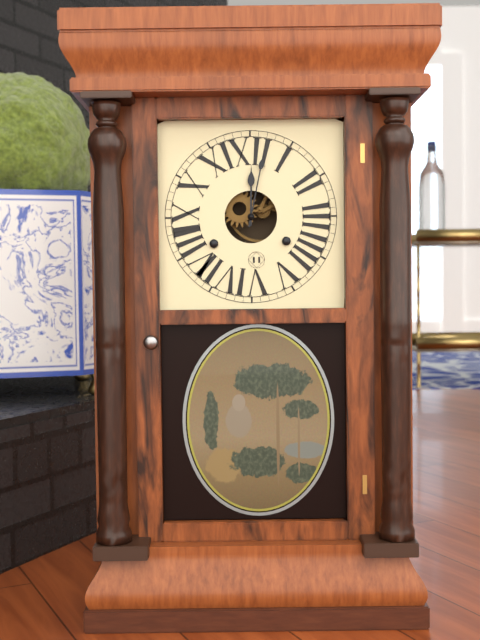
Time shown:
**12:02**
